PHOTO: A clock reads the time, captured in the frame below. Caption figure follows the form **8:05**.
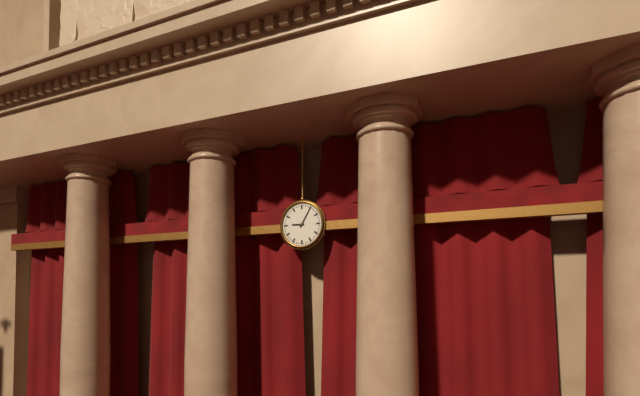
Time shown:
**9:05**
